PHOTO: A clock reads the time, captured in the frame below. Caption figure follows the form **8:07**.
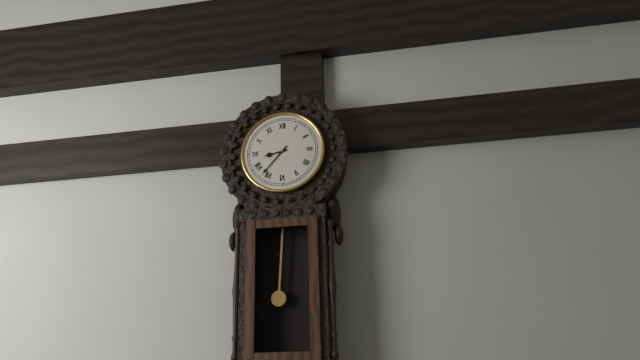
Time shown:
**8:37**
